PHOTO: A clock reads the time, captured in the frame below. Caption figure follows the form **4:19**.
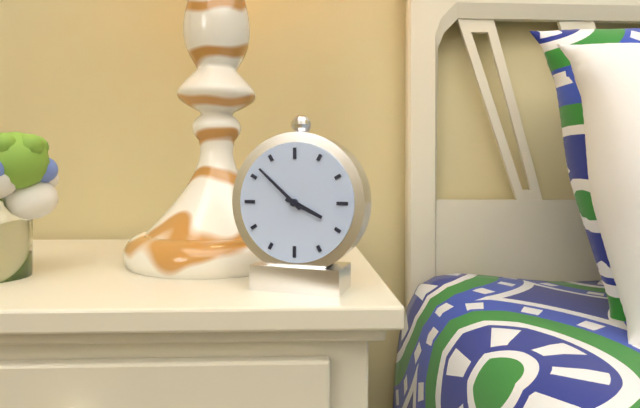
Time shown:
**3:52**
